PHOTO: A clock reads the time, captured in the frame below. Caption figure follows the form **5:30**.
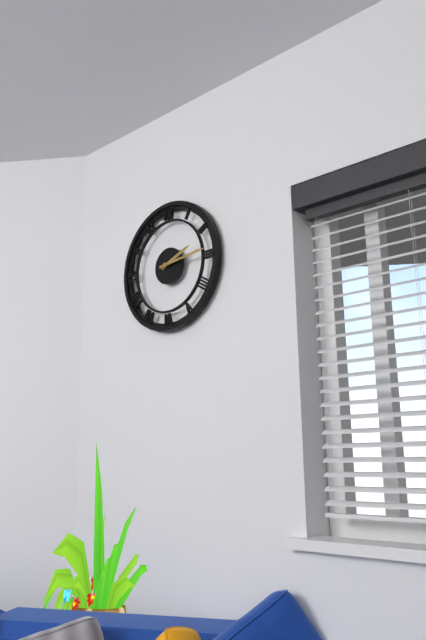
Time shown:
**2:14**
